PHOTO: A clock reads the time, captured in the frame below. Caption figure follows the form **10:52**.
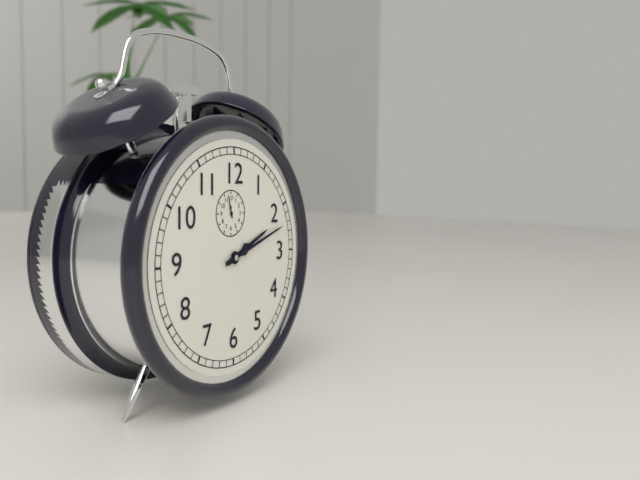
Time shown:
**2:12**
